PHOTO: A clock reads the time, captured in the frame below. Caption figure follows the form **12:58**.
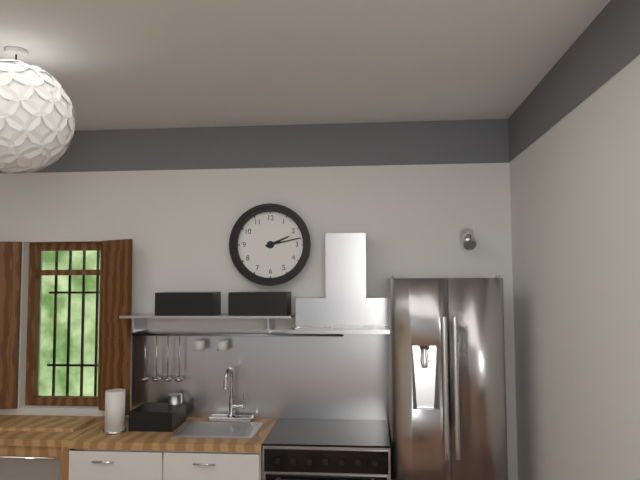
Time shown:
**2:13**
